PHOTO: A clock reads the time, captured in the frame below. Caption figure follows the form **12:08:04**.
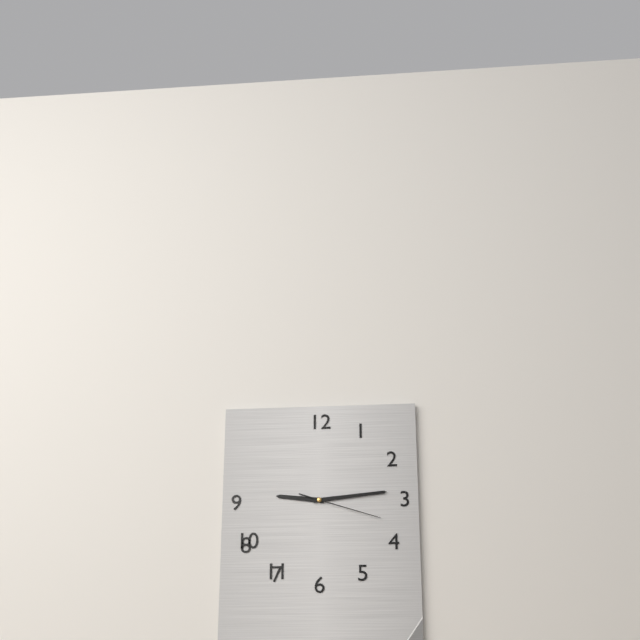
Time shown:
**9:14:18**
